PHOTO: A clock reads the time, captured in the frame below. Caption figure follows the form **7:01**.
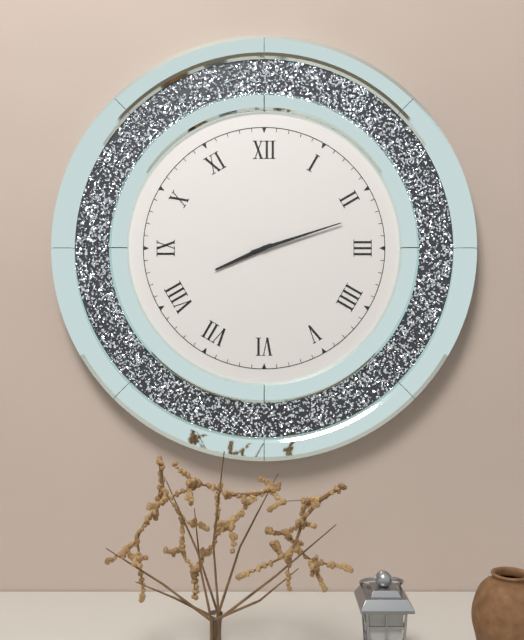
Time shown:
**8:12**
